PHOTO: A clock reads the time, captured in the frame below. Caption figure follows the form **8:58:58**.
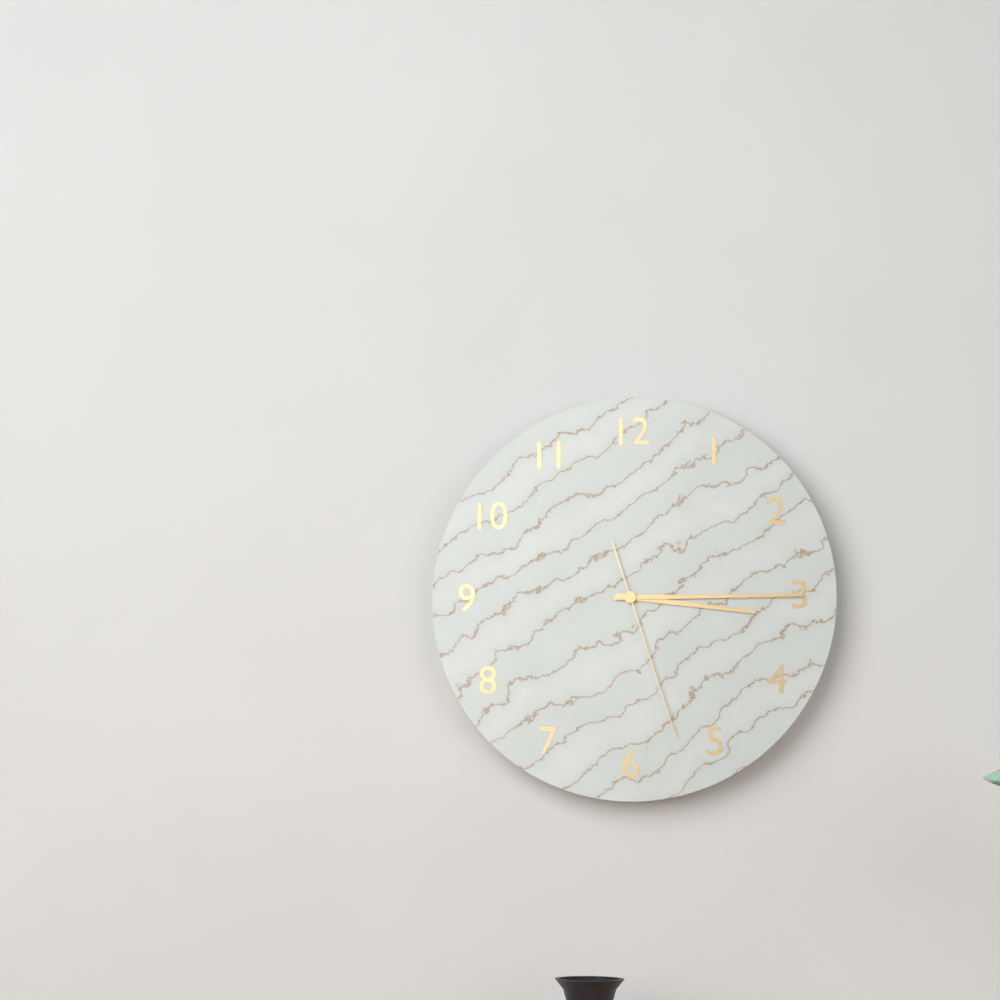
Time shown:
**3:15:27**
